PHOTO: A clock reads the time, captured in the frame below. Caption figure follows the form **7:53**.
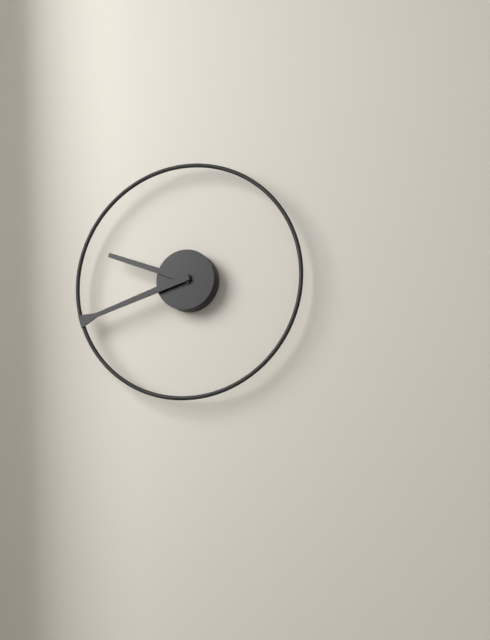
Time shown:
**9:42**
